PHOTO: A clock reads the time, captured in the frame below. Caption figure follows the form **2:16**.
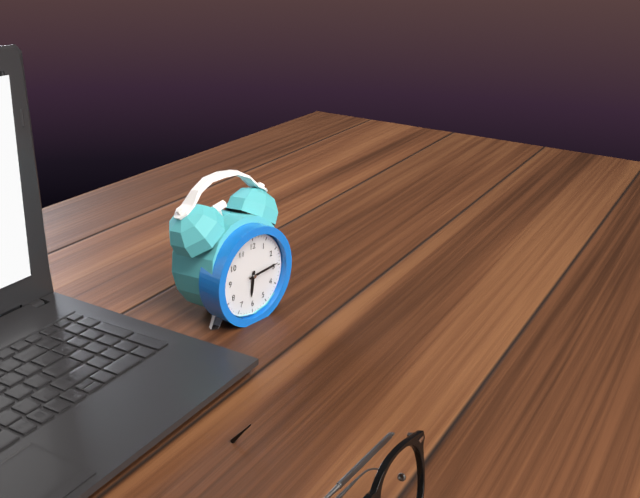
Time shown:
**6:14**
